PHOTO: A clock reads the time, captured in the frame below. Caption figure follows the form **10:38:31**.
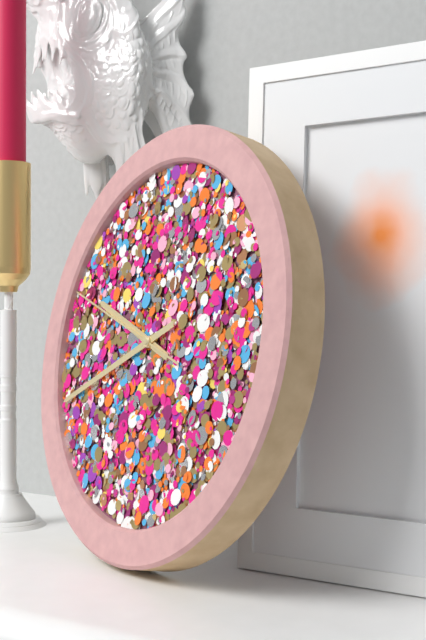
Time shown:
**9:41:48**
